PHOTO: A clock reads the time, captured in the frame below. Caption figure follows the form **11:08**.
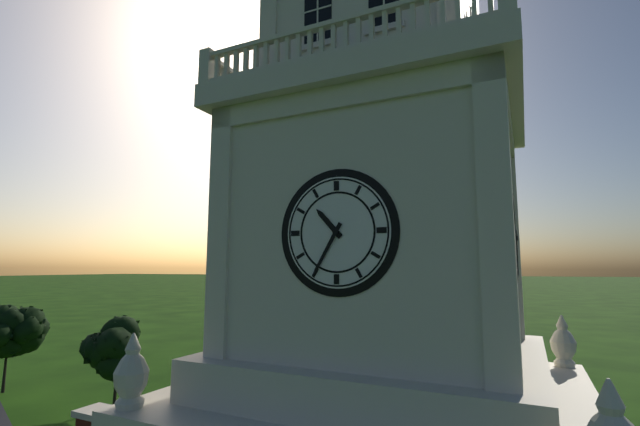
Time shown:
**10:35**
